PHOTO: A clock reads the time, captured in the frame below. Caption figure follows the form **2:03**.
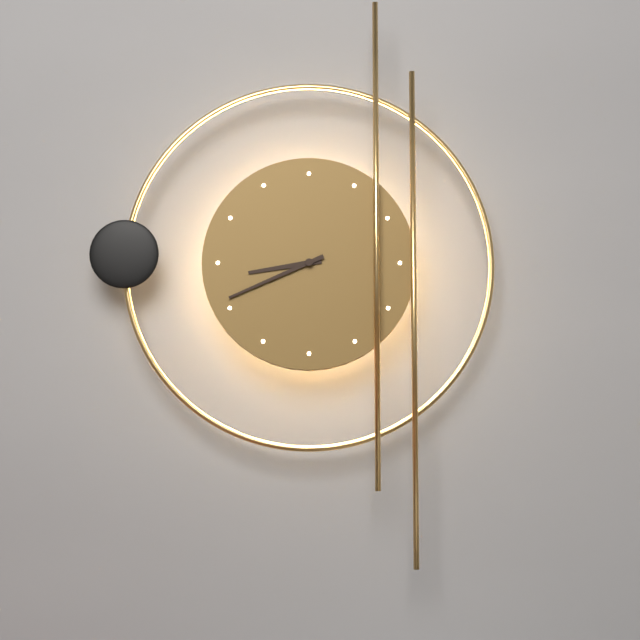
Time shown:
**8:41**
